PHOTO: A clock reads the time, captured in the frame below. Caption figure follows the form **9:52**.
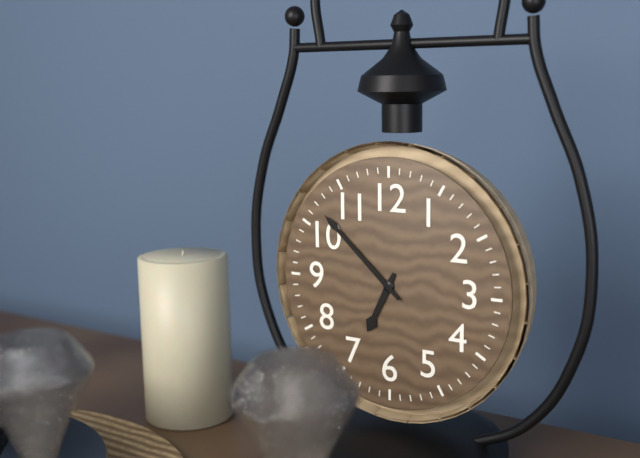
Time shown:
**6:52**
